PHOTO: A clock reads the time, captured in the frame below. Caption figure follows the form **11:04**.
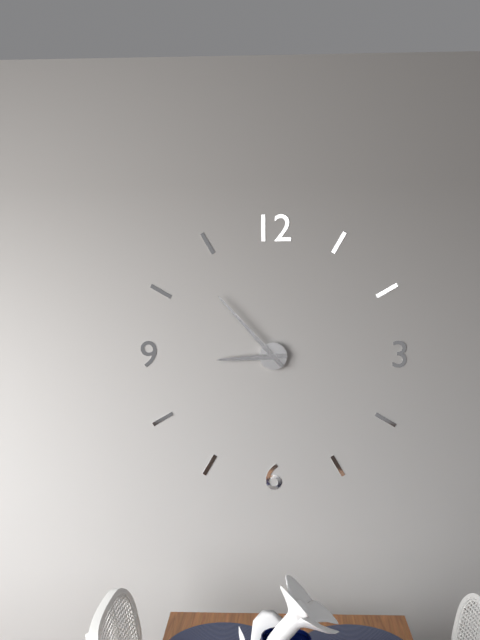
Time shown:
**8:53**
